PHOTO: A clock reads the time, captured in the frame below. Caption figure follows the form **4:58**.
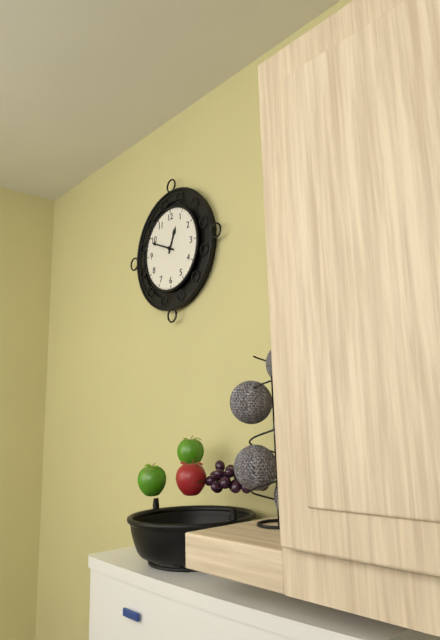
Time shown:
**12:49**
